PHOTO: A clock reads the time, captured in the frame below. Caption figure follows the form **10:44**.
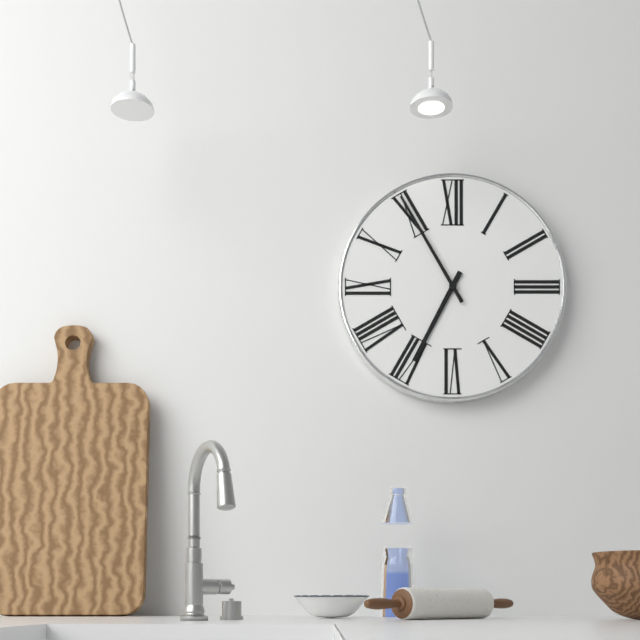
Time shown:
**6:55**
